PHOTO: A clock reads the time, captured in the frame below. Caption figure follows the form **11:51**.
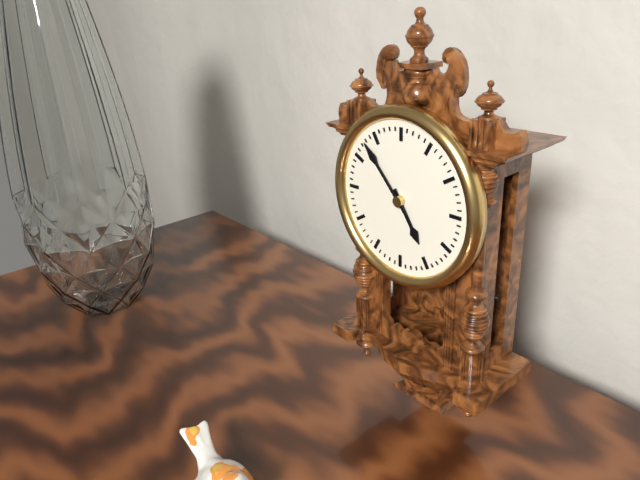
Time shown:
**4:53**
